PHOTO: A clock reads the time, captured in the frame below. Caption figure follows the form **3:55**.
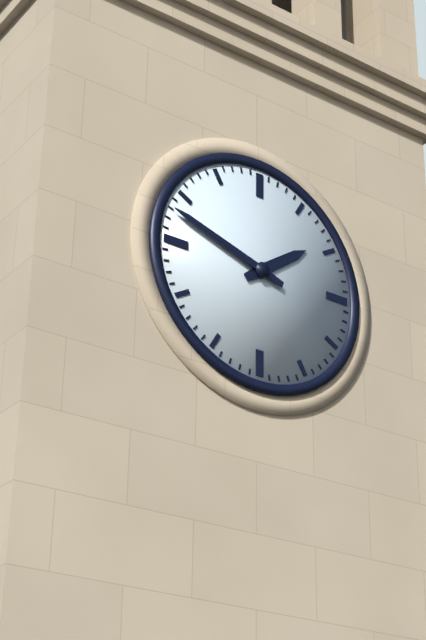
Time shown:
**1:48**
